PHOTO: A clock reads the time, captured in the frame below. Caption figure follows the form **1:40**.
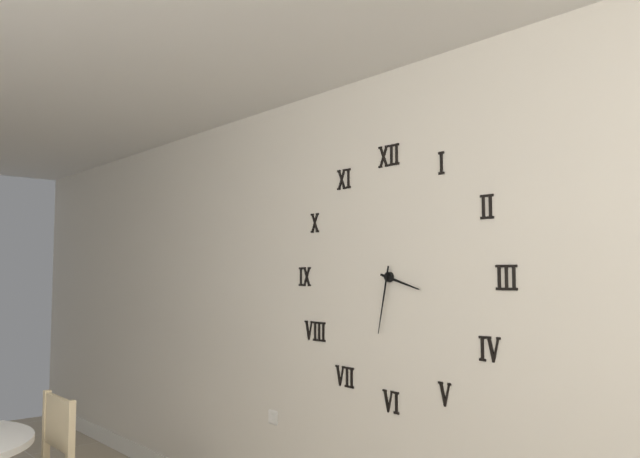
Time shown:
**3:32**
